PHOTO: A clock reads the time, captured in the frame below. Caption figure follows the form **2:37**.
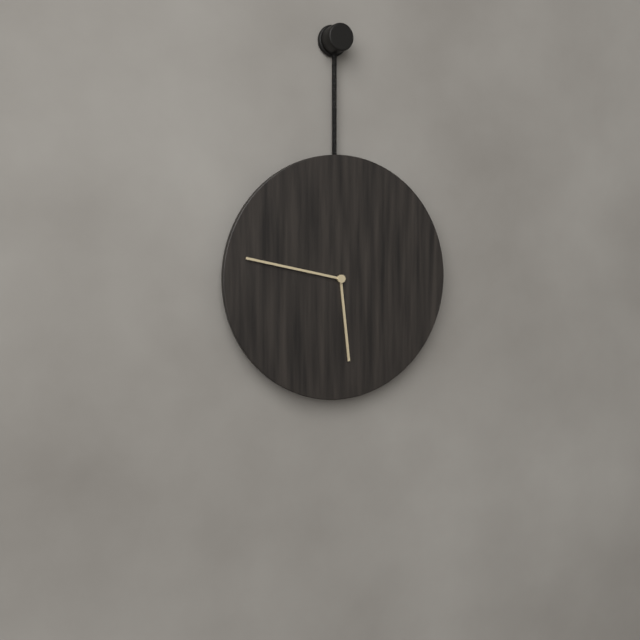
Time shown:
**5:47**
